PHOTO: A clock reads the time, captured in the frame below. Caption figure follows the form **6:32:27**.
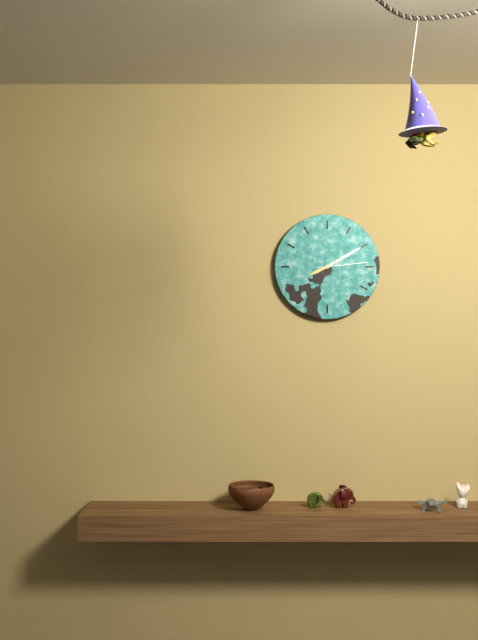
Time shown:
**8:10:14**
